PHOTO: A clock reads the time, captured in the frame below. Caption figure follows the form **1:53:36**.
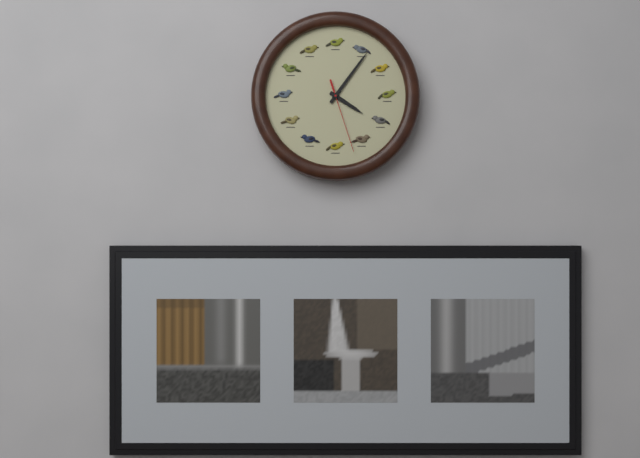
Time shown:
**4:06:27**
